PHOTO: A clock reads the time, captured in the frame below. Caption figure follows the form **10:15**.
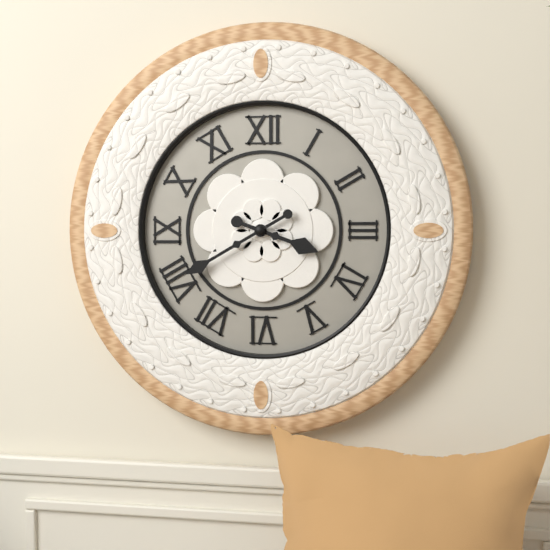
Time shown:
**3:40**
